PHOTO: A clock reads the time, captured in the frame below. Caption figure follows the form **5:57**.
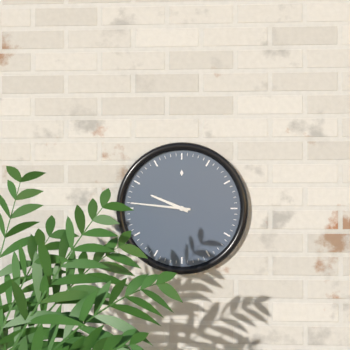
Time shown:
**9:46**
